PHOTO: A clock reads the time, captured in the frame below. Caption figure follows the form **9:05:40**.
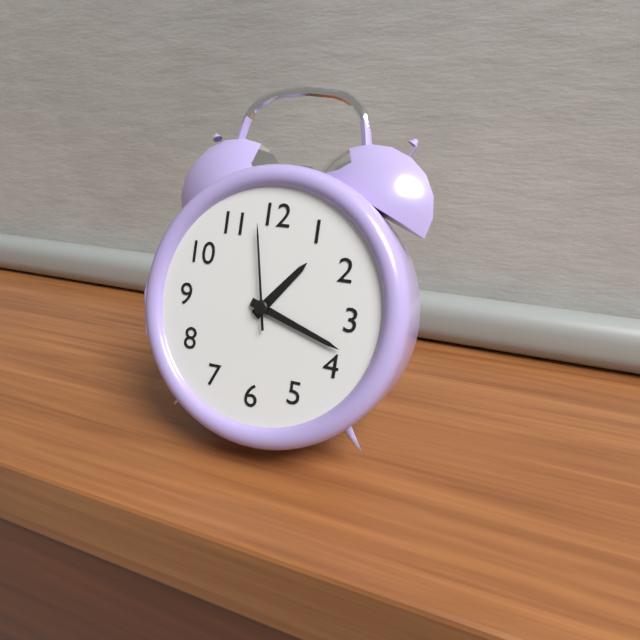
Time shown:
**1:18:58**
